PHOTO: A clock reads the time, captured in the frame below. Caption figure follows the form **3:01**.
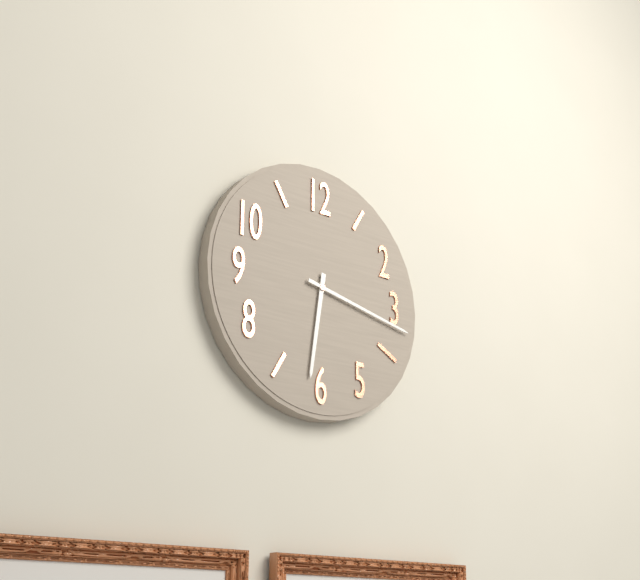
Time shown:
**6:17**
